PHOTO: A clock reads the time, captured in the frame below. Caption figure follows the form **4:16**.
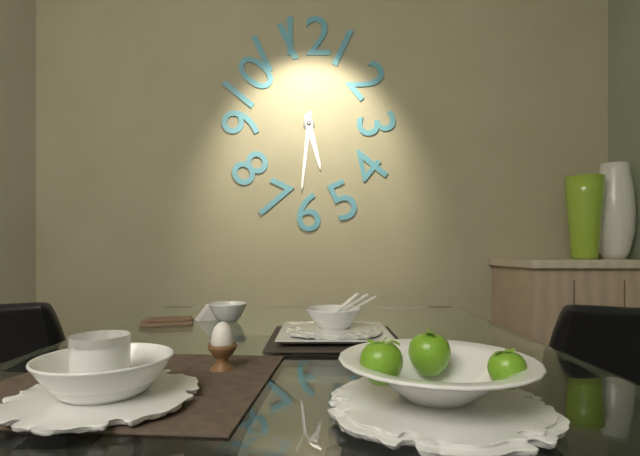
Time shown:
**5:31**
